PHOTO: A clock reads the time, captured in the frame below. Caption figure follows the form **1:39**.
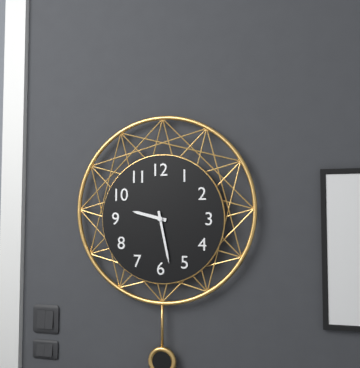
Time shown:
**9:28**
